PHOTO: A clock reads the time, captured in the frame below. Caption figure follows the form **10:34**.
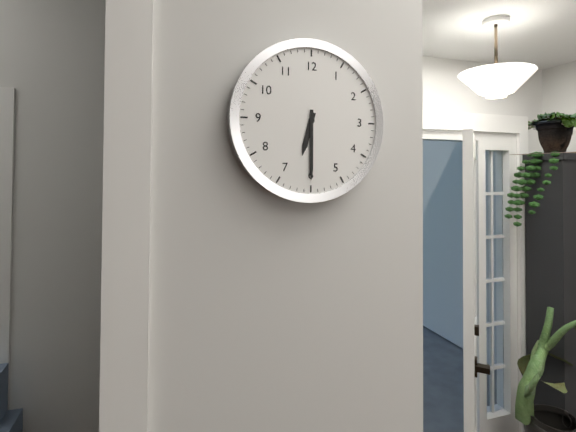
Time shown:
**6:30**
